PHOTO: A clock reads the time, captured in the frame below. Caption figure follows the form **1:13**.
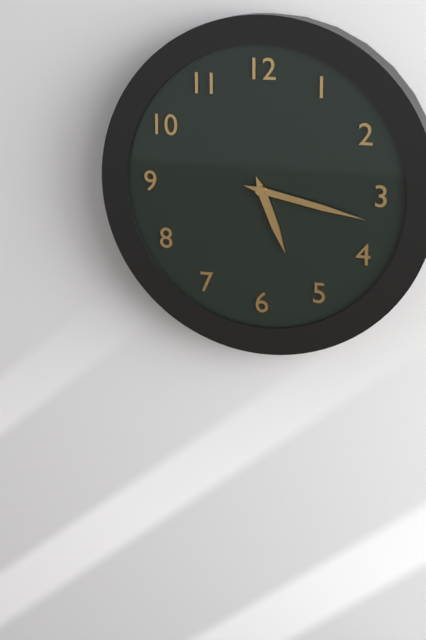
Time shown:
**5:17**
